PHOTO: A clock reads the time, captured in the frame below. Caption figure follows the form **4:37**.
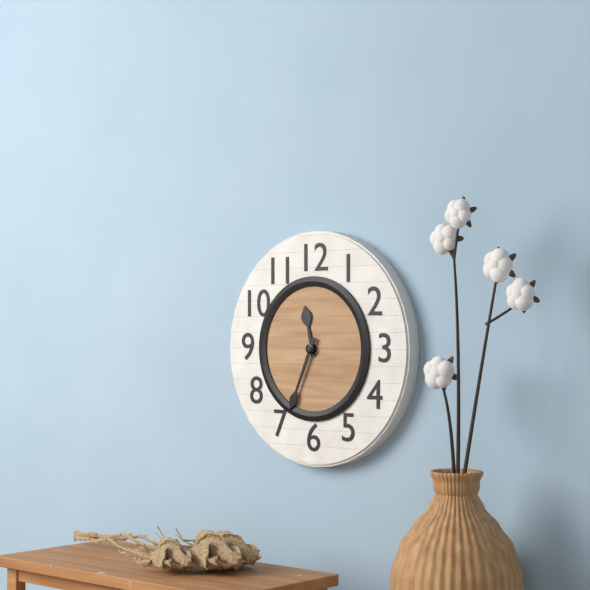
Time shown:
**11:34**
